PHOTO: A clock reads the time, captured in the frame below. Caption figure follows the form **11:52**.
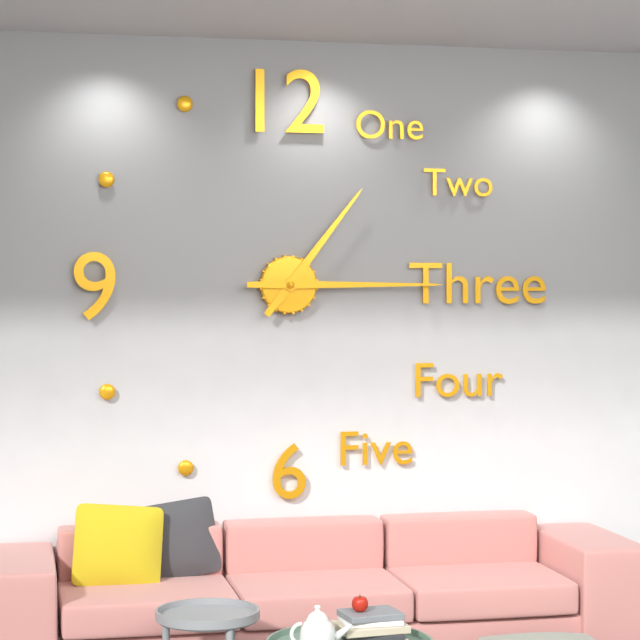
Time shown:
**1:15**
